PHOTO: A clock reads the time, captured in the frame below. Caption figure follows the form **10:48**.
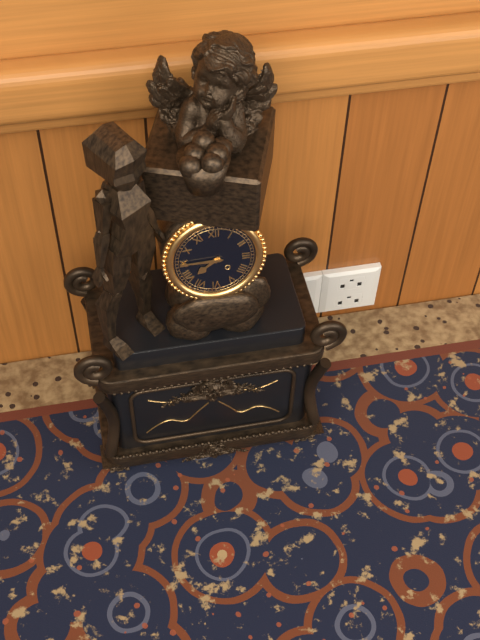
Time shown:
**7:45**
